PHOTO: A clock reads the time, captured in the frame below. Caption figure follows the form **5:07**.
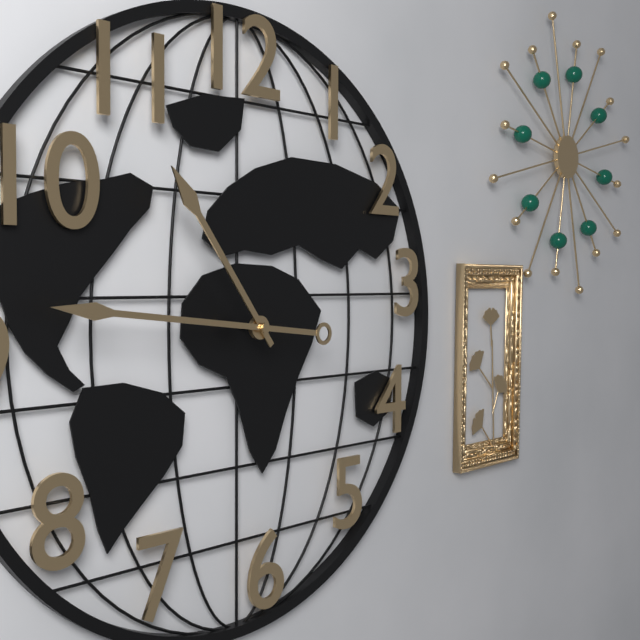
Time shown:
**10:46**
